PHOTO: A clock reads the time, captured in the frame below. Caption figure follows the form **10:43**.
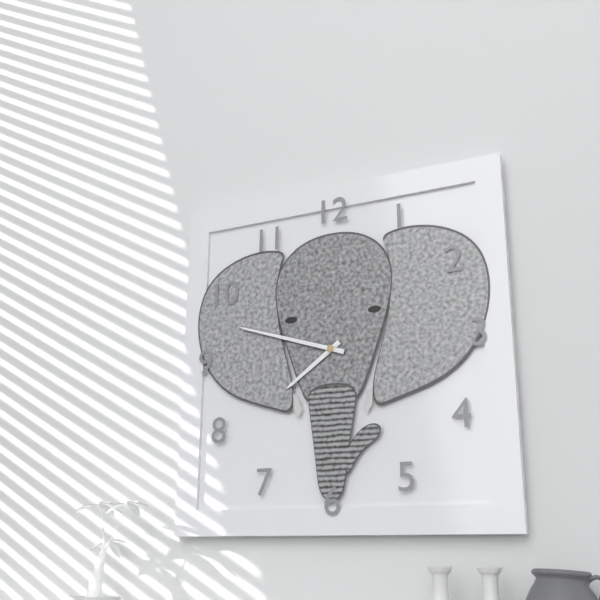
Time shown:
**7:48**
